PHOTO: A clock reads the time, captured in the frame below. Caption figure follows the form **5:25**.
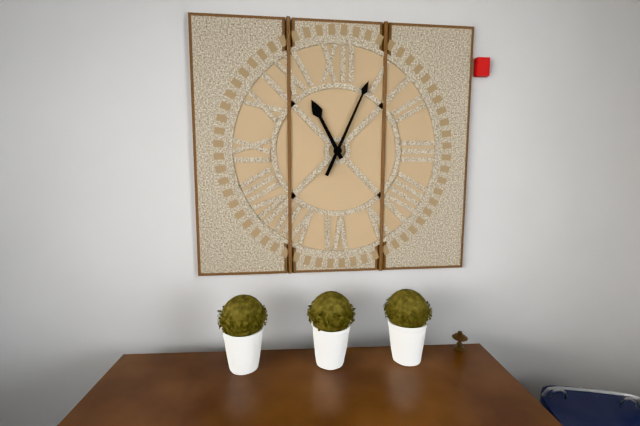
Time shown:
**11:04**
